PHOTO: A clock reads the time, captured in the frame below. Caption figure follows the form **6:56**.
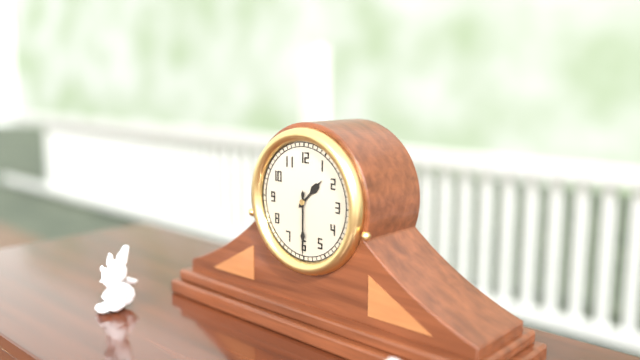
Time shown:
**1:30**
